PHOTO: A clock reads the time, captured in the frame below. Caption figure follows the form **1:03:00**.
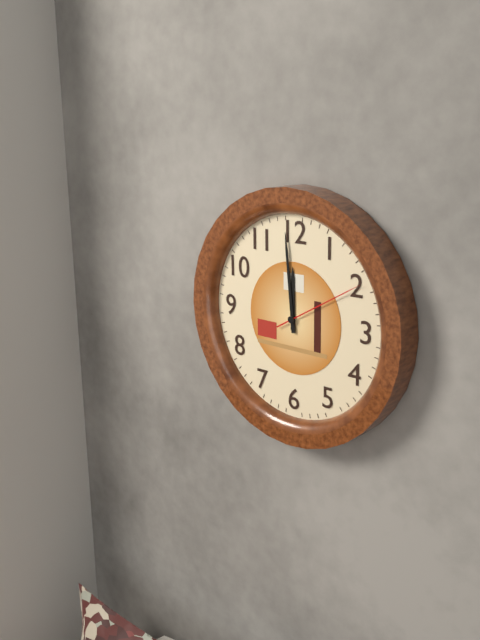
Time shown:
**11:59:10**
